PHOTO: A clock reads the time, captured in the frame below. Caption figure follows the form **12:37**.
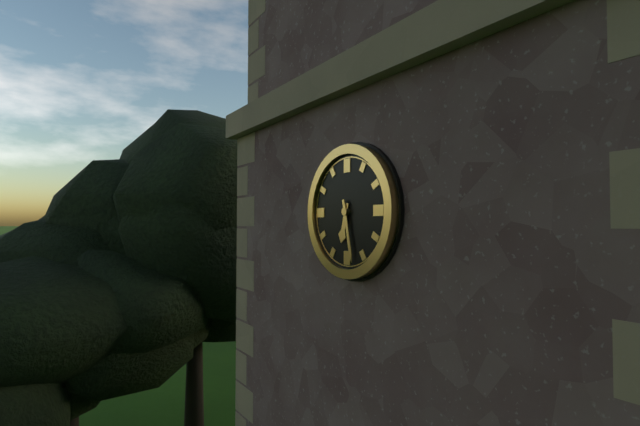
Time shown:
**6:28**
